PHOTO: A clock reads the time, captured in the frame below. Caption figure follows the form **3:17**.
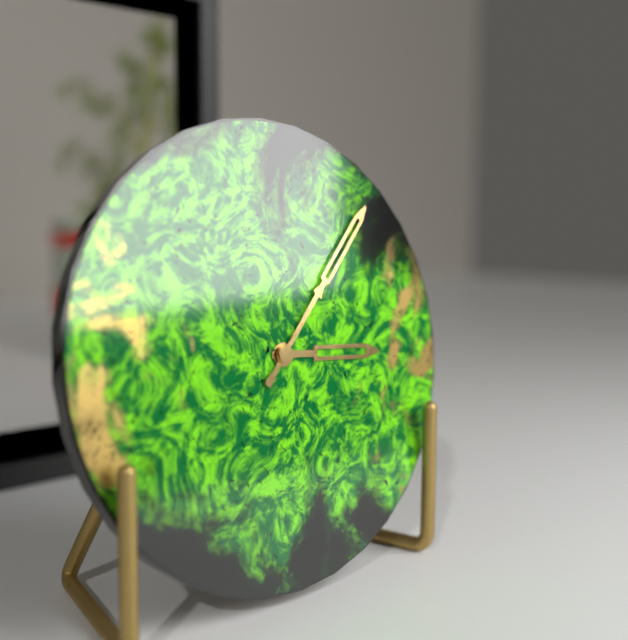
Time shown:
**3:07**
